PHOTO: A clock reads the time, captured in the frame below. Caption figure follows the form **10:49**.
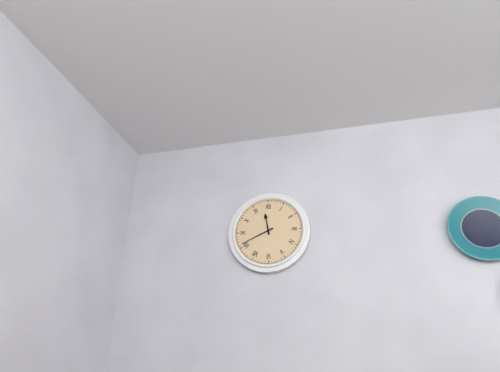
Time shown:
**11:41**
